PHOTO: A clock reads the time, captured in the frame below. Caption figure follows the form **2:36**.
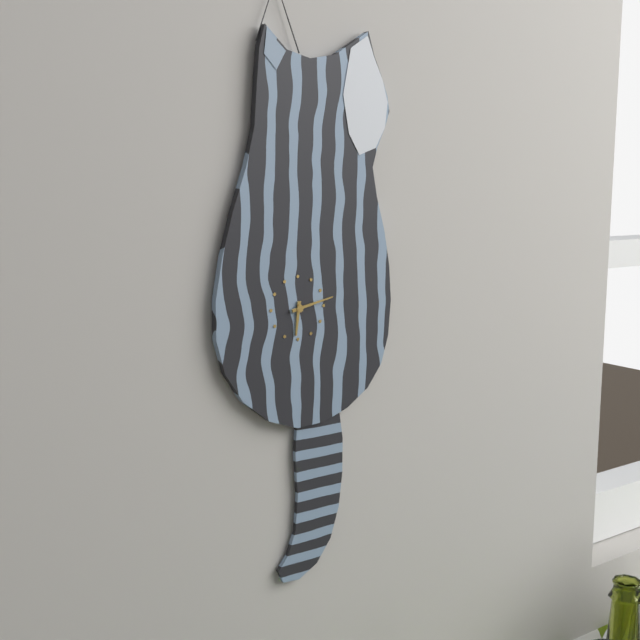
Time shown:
**6:13**
